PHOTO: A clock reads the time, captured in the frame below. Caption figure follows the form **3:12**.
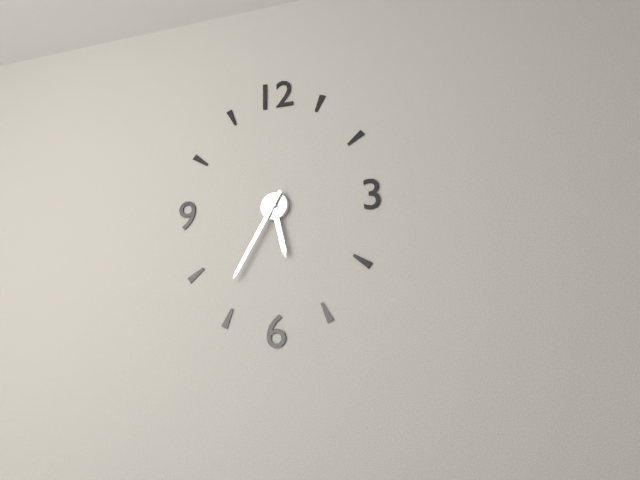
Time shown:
**5:35**
